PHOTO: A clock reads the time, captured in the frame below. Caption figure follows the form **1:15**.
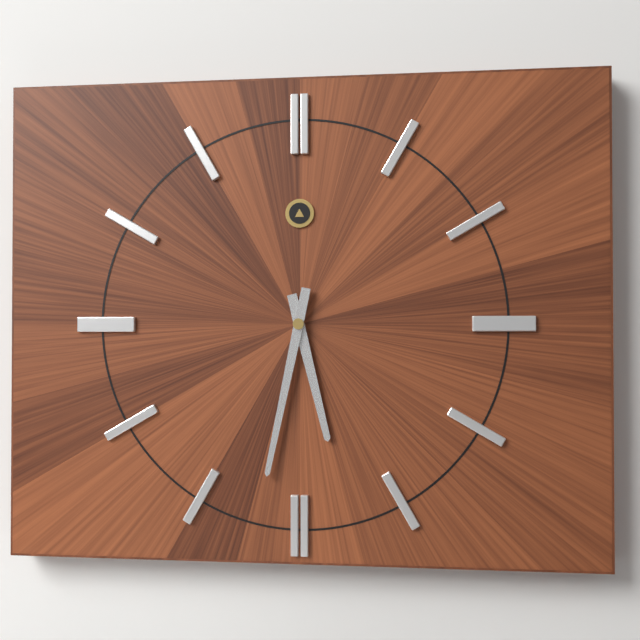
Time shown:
**5:32**
